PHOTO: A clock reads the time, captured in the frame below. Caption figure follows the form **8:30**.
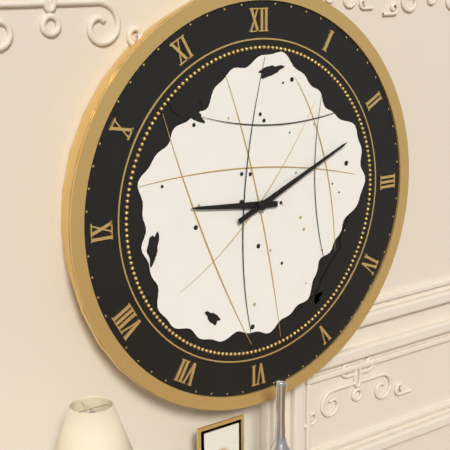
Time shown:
**9:11**
